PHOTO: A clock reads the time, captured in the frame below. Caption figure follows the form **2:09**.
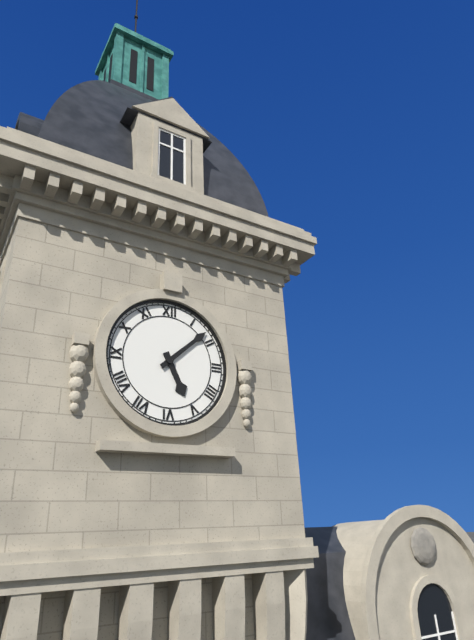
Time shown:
**5:08**
